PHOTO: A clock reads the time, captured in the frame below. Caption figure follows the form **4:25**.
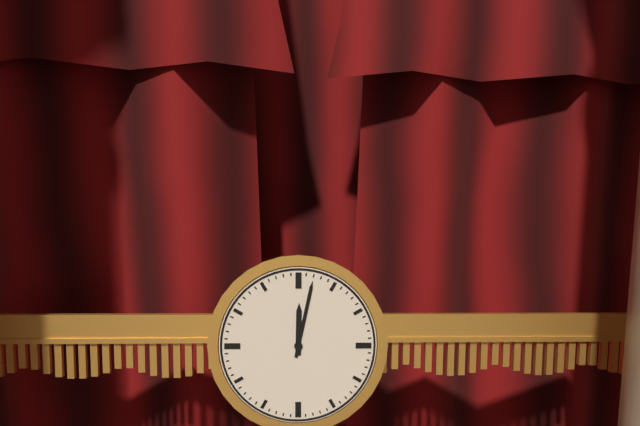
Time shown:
**12:02**
